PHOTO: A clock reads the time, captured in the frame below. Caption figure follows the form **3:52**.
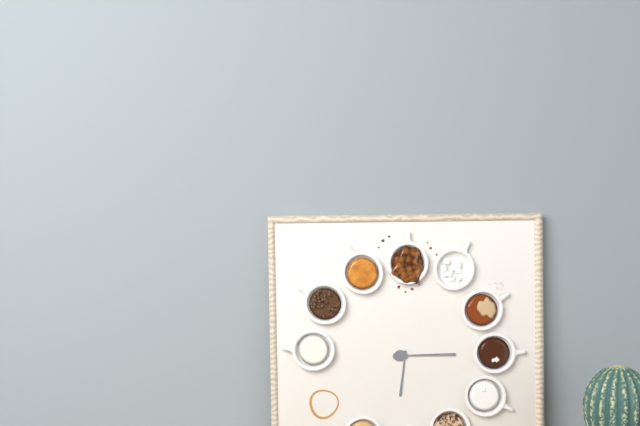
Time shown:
**6:15**
